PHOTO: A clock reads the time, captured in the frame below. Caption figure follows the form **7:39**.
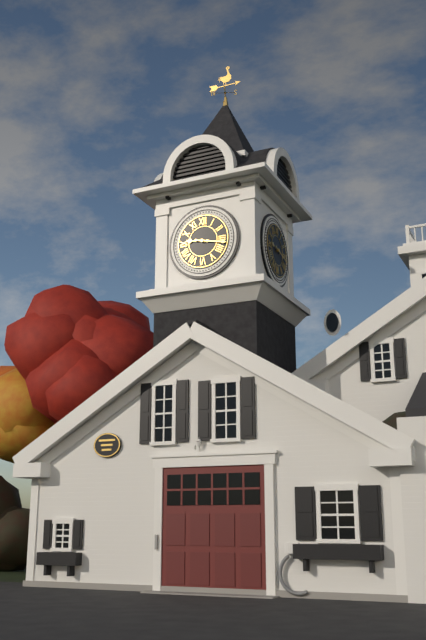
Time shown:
**9:17**
